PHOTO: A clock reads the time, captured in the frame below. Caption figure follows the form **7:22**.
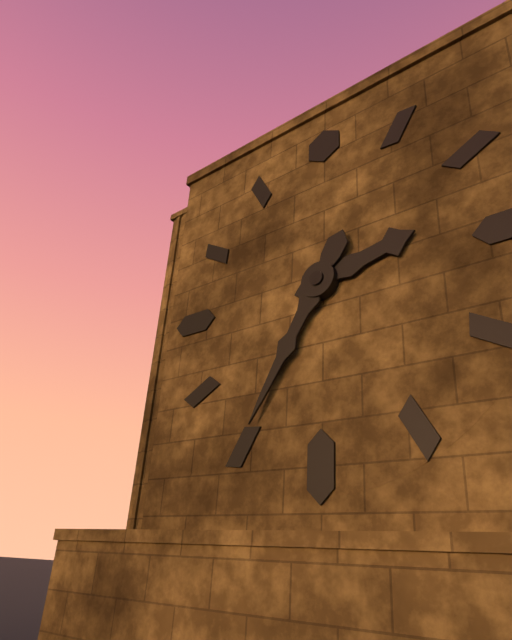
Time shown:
**2:35**
